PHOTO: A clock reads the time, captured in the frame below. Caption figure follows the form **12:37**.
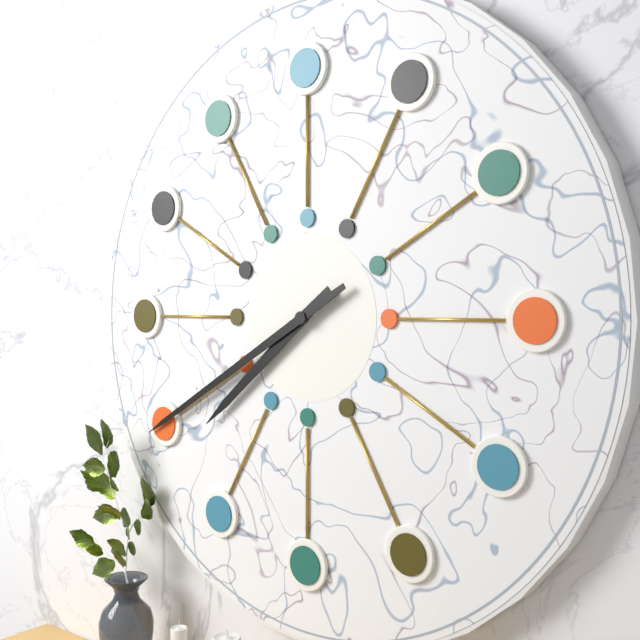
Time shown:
**7:40**
